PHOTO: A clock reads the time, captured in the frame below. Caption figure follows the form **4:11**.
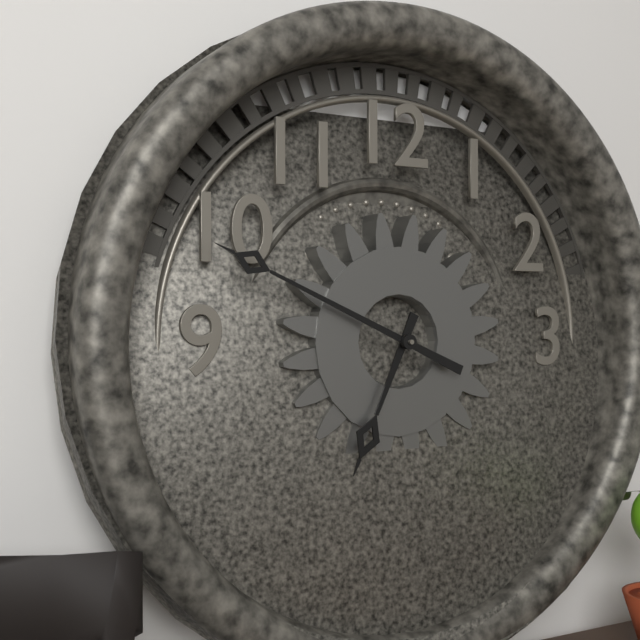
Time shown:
**6:49**
